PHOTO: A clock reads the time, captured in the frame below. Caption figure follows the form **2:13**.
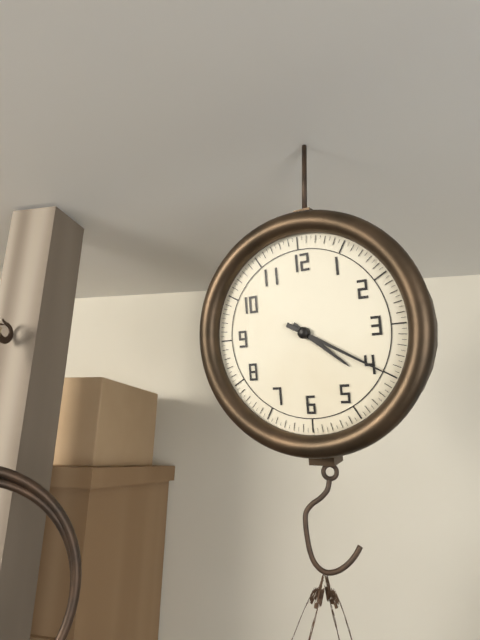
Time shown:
**4:20**
